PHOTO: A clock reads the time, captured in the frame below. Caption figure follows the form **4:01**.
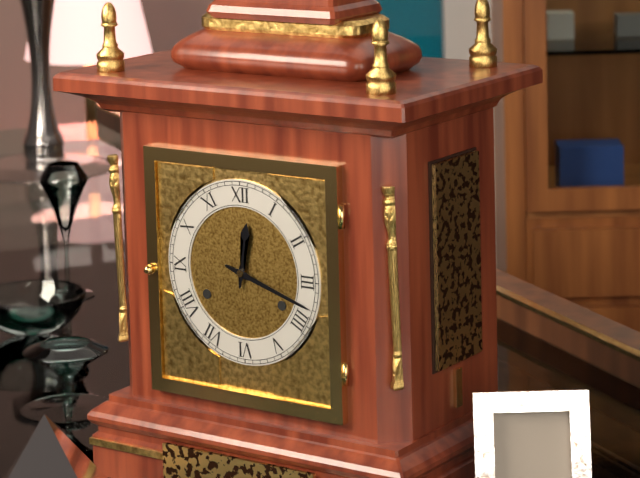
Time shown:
**12:18**
